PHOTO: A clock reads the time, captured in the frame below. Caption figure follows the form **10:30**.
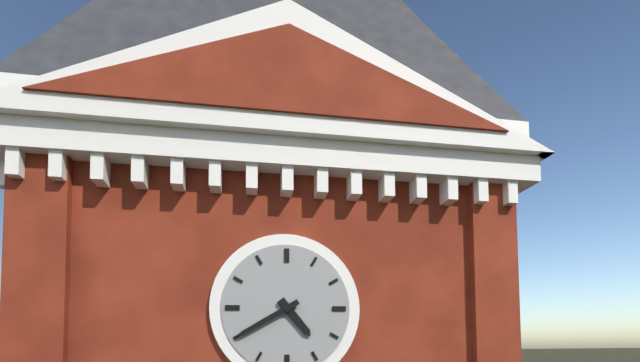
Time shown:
**4:40**
